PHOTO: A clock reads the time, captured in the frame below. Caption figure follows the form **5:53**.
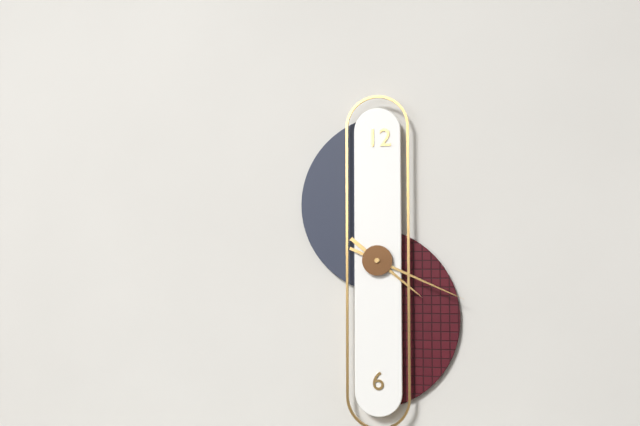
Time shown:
**4:19**
